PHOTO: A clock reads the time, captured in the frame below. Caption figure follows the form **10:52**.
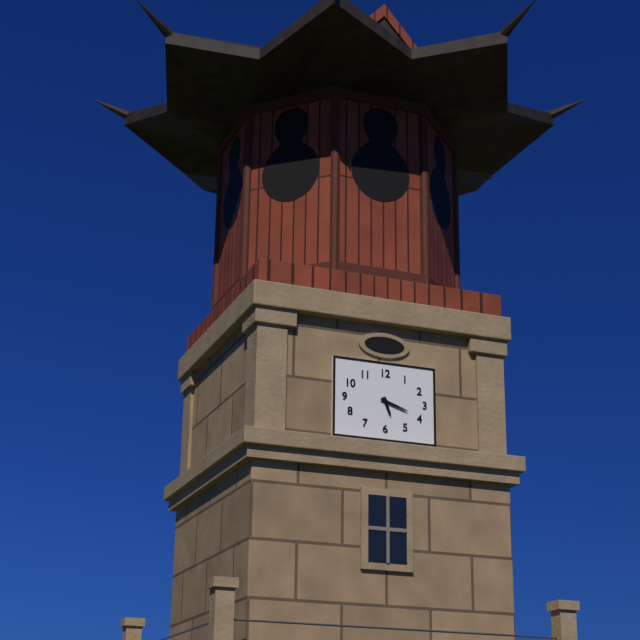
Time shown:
**5:18**
